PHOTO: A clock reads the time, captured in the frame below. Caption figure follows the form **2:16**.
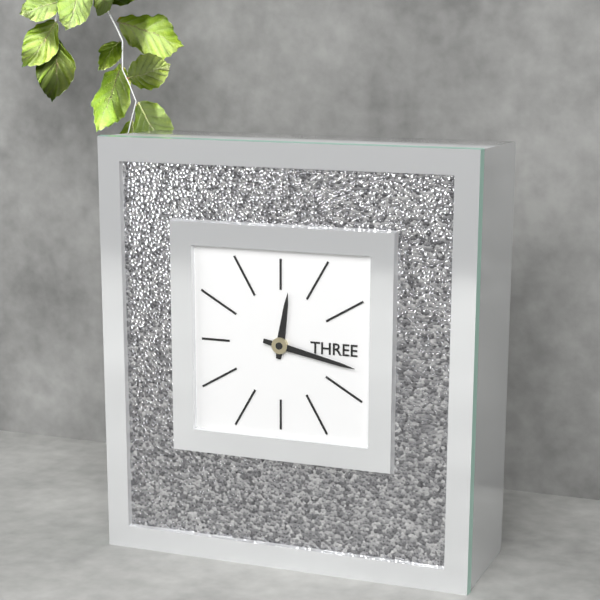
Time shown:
**12:17**
